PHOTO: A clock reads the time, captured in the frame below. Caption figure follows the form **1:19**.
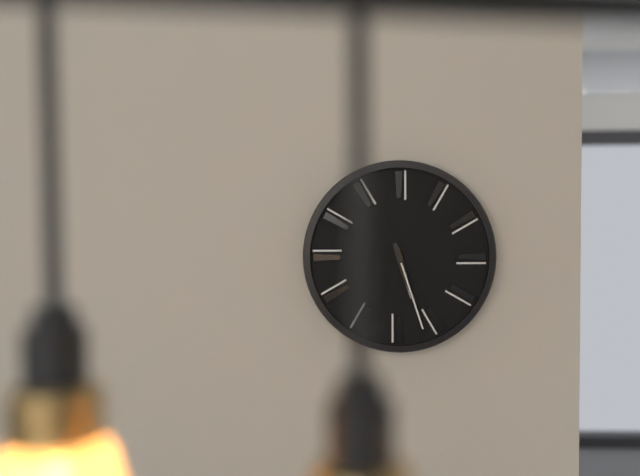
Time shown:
**5:27**
